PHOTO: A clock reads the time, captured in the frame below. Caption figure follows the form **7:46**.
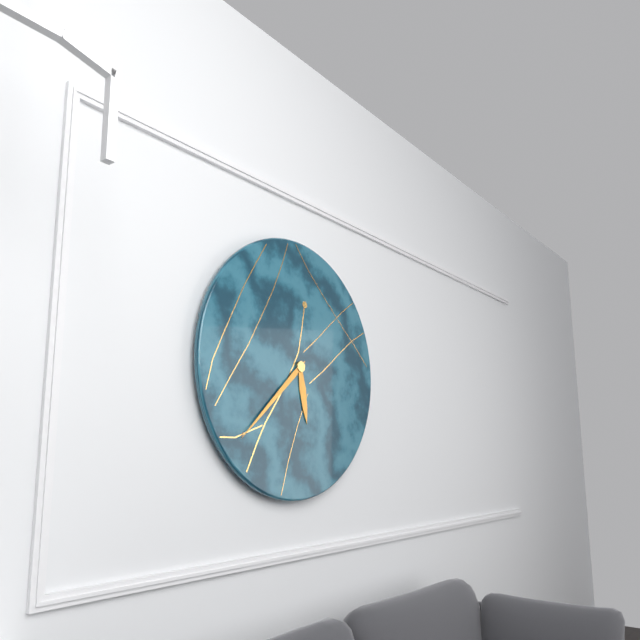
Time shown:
**5:38**
